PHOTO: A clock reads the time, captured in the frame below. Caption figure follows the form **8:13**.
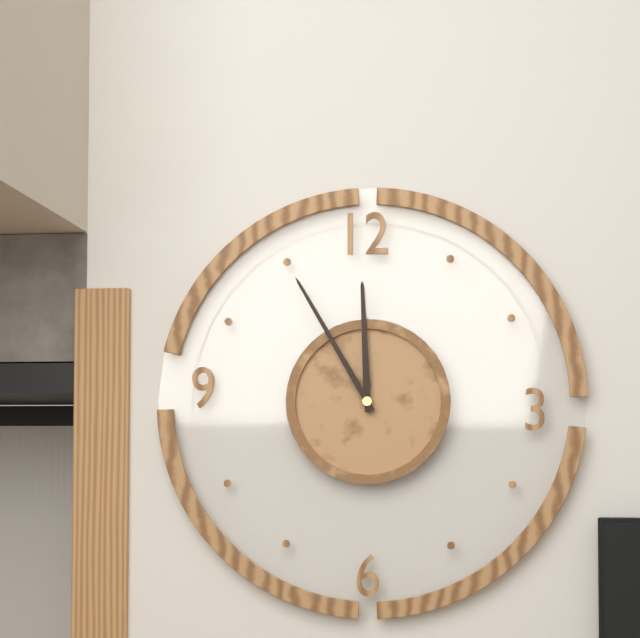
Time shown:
**11:55**
